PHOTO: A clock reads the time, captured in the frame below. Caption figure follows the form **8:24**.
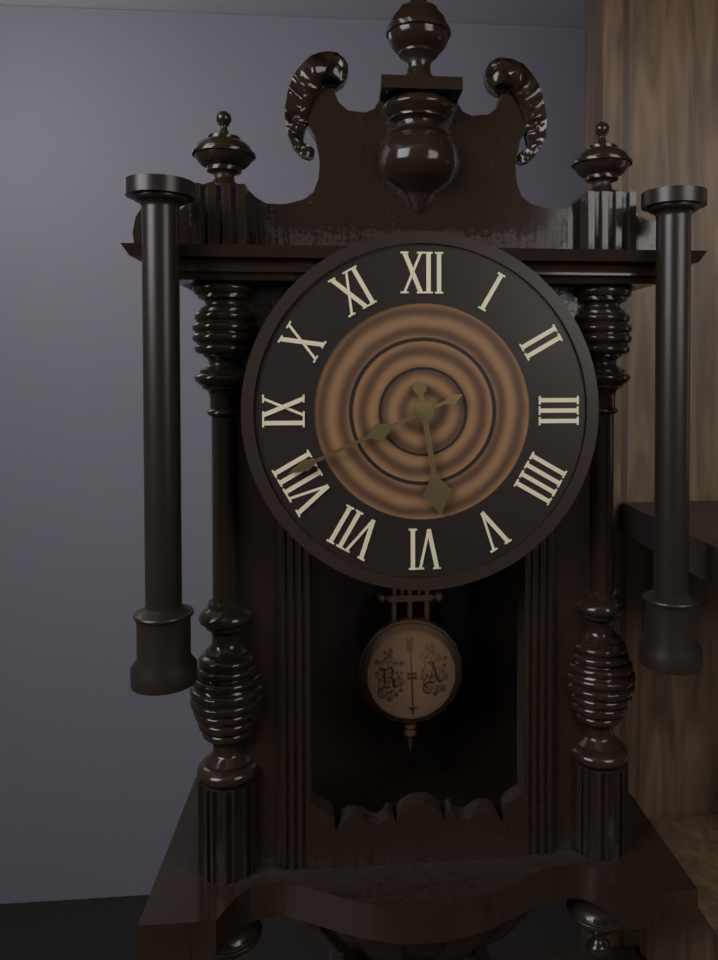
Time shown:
**5:41**
